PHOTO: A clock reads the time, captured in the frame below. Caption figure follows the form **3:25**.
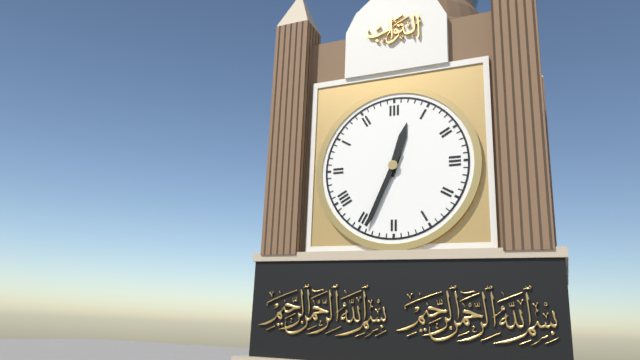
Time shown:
**12:34**
